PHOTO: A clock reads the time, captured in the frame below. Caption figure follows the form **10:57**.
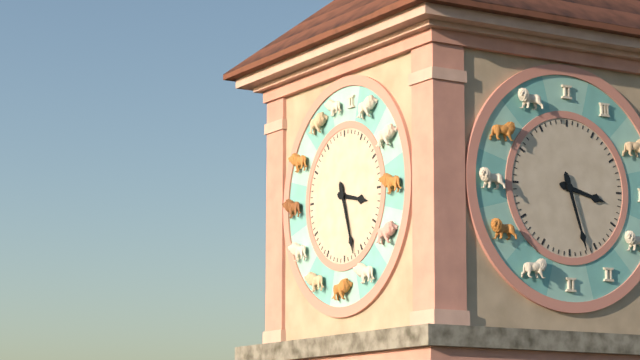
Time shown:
**3:27**
